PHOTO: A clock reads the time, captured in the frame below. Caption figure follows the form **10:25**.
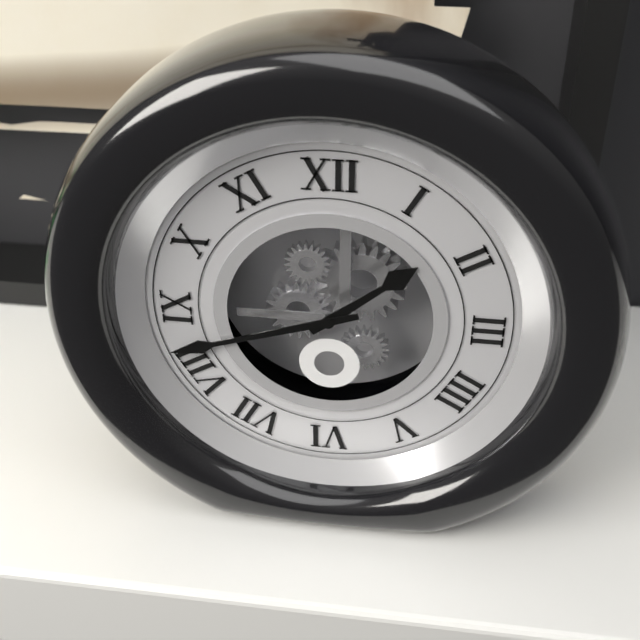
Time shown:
**1:42**
